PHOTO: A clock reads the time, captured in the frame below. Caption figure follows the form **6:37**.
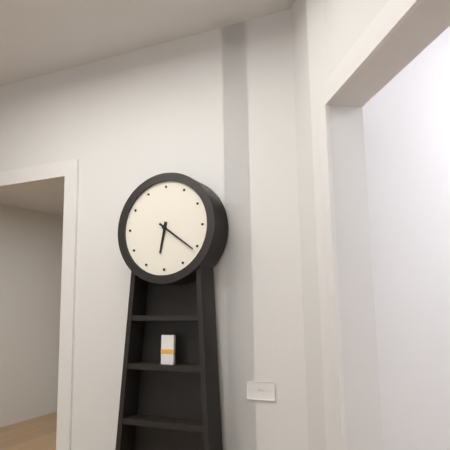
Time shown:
**6:21**
